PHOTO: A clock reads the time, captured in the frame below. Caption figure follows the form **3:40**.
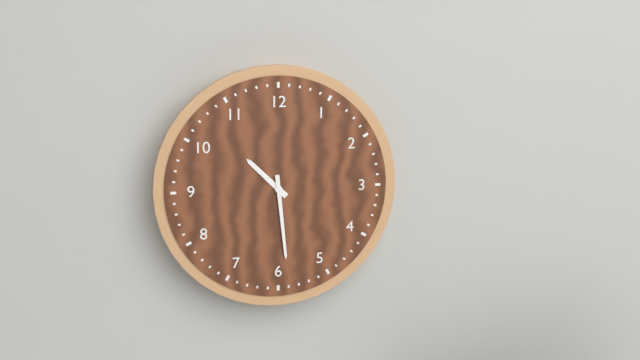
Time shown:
**10:29**
